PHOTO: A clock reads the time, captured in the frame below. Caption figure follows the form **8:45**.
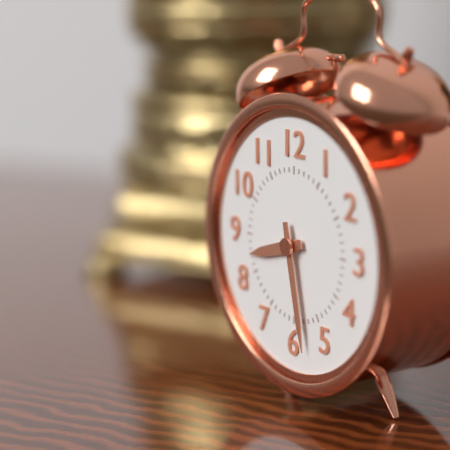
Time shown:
**8:28**
